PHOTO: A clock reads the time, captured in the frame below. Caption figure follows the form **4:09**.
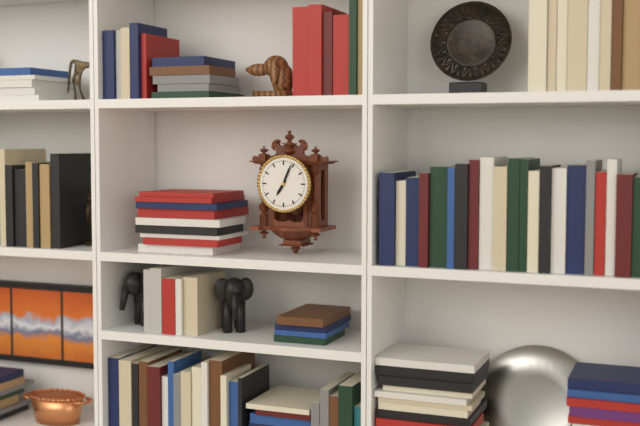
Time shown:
**7:04**
